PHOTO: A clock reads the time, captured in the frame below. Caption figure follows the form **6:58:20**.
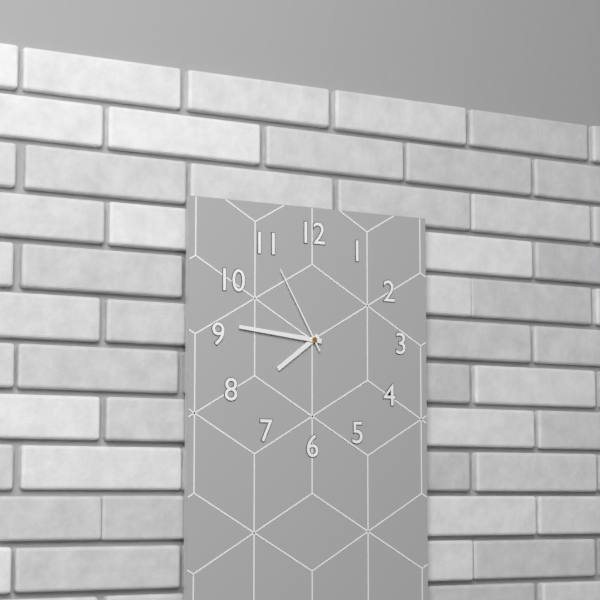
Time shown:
**7:46:55**
